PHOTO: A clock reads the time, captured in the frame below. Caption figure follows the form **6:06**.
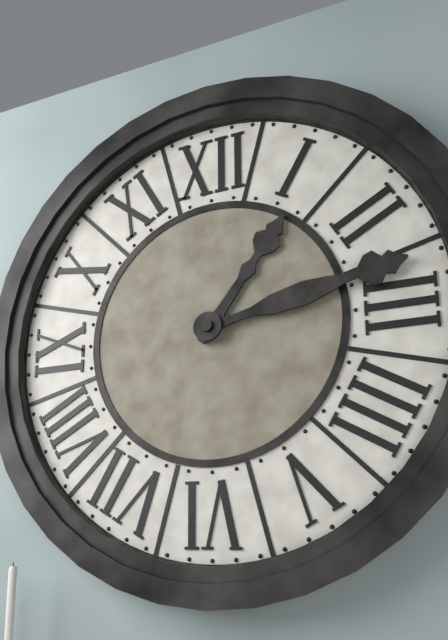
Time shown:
**1:13**
